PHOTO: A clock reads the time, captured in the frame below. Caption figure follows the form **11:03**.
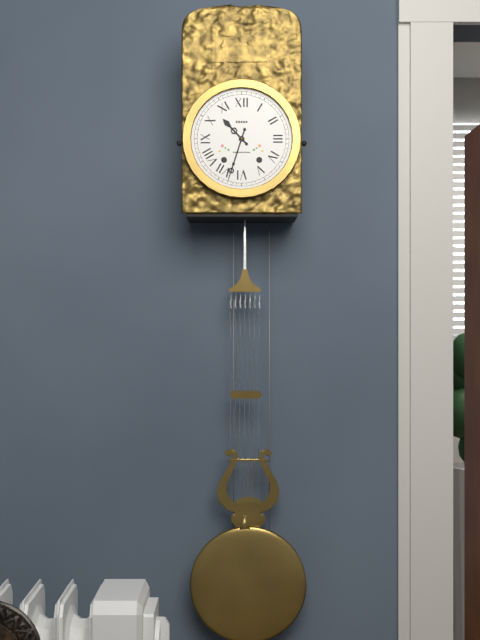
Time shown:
**10:33**
